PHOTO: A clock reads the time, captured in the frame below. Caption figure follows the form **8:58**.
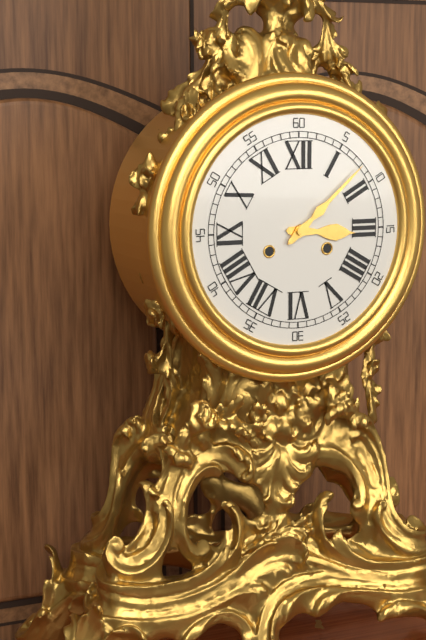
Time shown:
**3:08**
